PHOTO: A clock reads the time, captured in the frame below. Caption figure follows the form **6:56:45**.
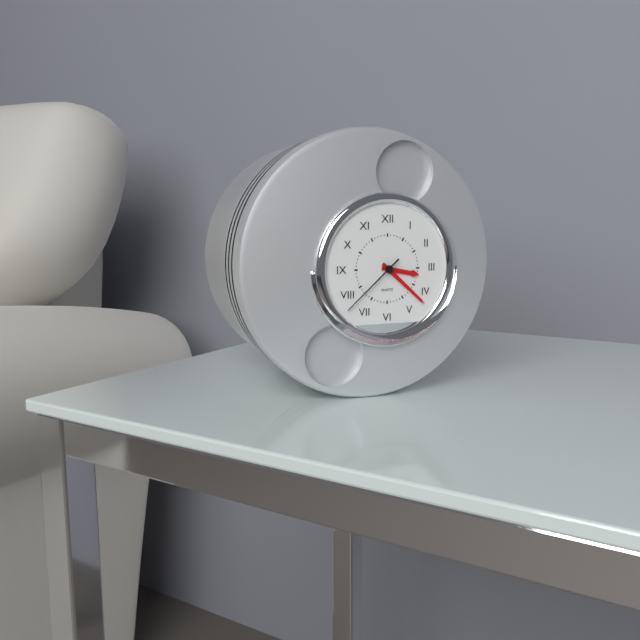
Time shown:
**3:22:38**
